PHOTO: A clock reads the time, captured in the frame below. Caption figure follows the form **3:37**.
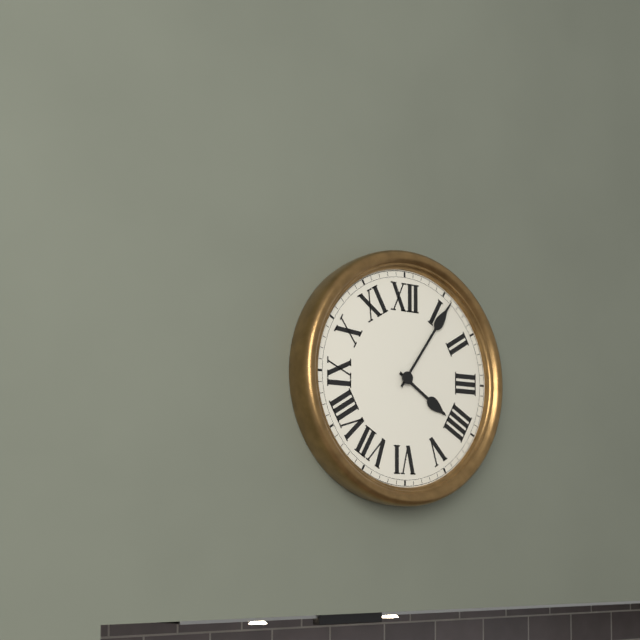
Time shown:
**4:06**
